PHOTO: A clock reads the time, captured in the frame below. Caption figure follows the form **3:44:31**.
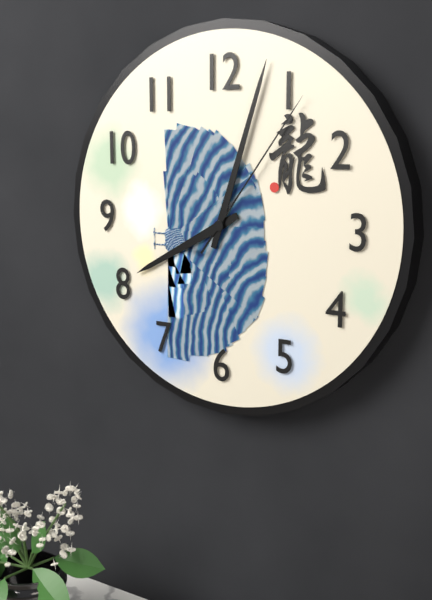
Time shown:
**8:03:06**
